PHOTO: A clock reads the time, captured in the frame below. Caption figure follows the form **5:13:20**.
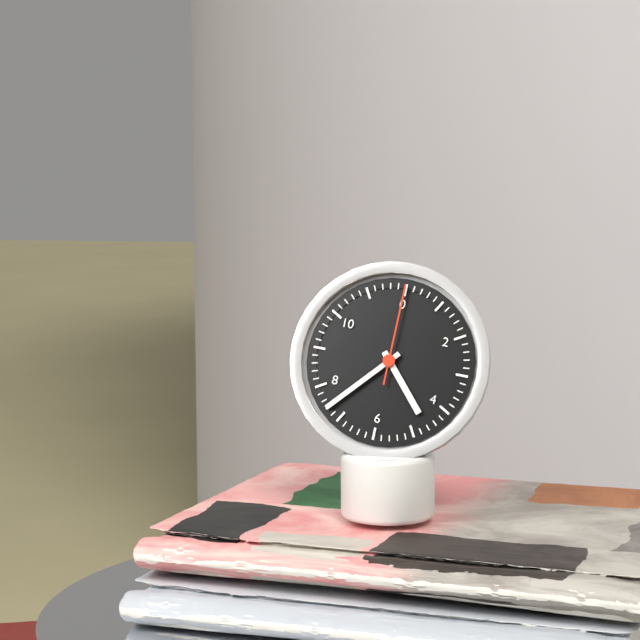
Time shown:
**4:37:00**
